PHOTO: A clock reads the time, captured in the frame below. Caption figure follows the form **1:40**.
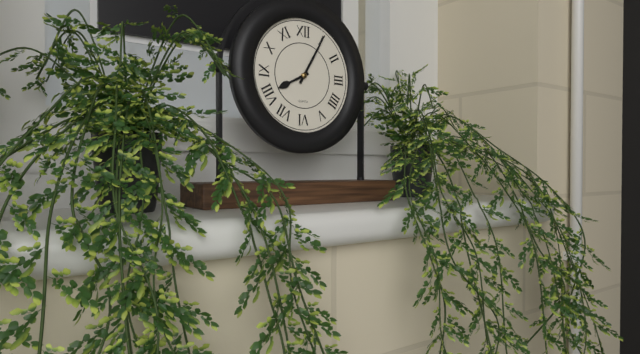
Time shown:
**8:05**
